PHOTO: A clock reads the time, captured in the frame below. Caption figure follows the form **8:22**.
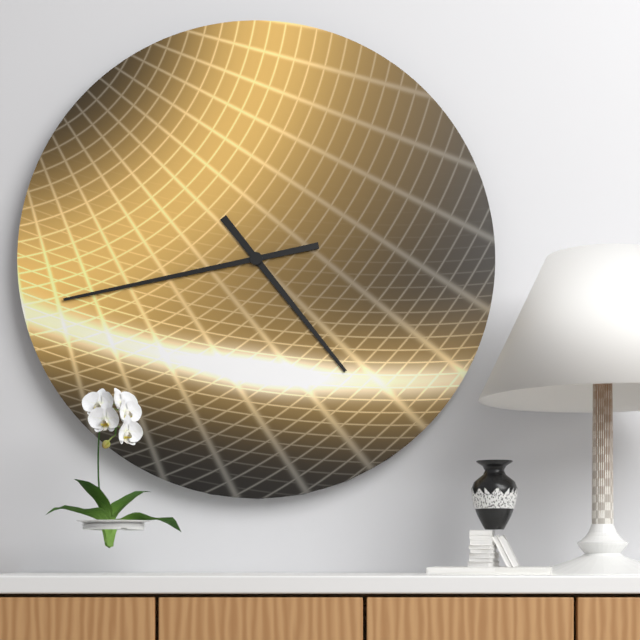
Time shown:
**4:43**
